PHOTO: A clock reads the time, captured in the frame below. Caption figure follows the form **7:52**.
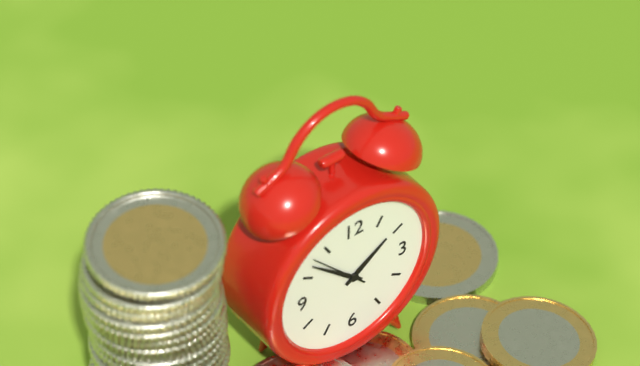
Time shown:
**1:52**
